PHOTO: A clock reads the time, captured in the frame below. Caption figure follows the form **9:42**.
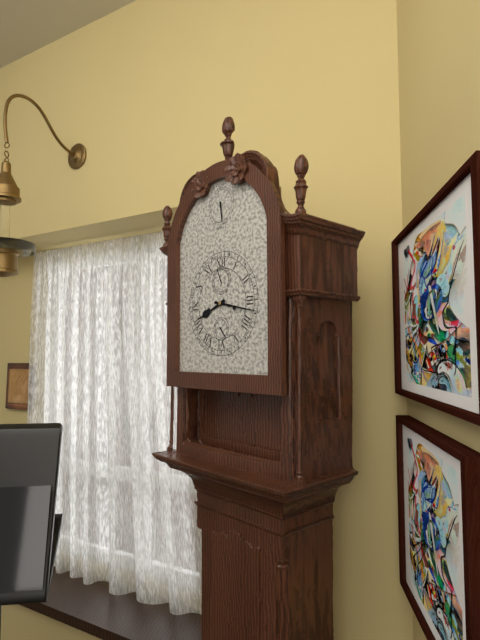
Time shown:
**8:17**
